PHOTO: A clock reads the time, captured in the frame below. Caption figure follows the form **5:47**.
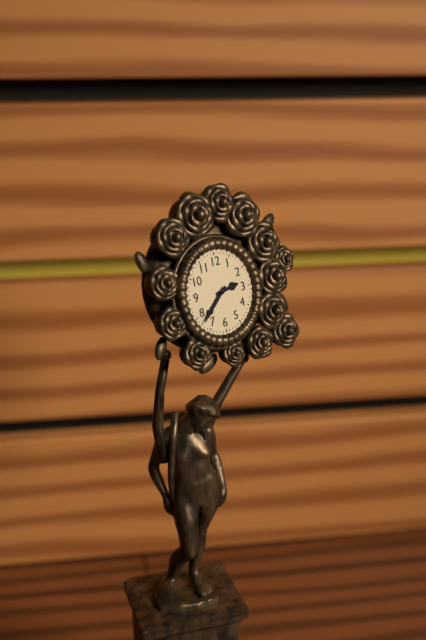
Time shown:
**2:38**
